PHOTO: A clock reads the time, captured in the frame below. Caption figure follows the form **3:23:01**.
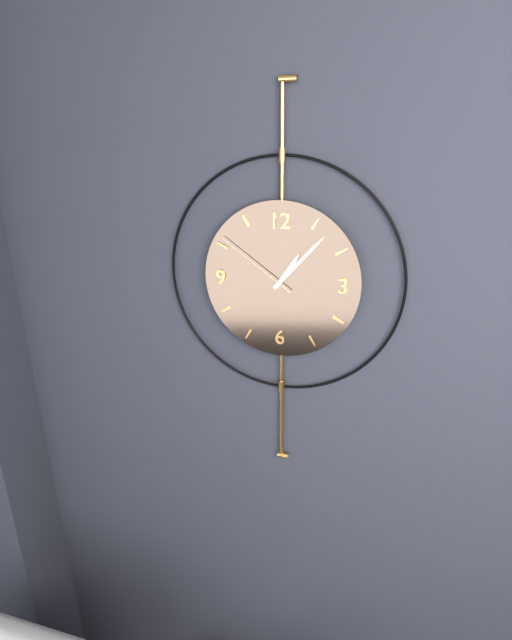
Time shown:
**1:07:51**
